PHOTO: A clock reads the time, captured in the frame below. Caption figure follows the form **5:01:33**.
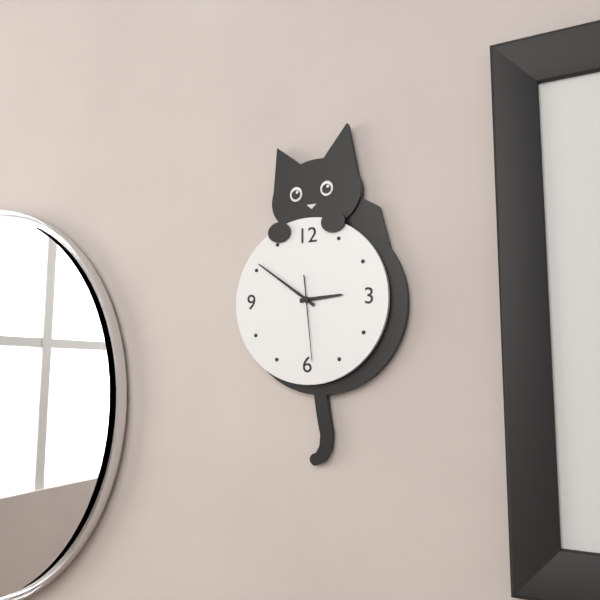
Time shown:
**2:51:29**
